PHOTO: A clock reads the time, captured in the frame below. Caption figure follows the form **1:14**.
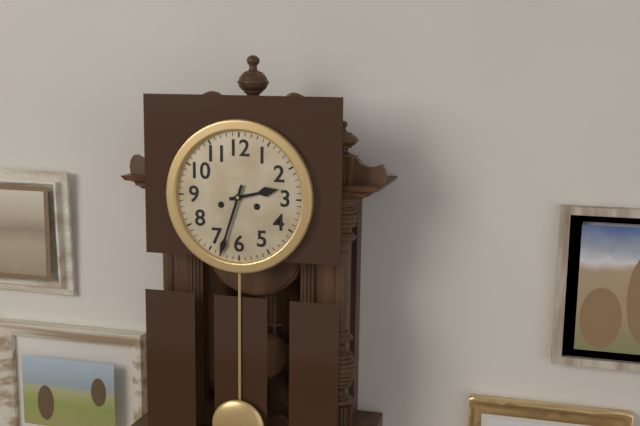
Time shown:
**2:33**
